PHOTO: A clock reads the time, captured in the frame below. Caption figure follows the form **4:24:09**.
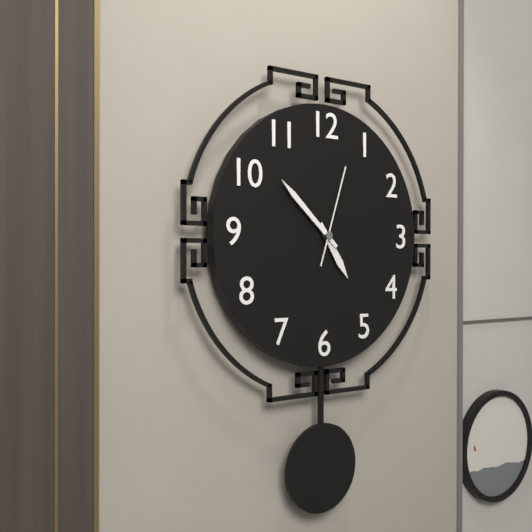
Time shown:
**4:52:03**
